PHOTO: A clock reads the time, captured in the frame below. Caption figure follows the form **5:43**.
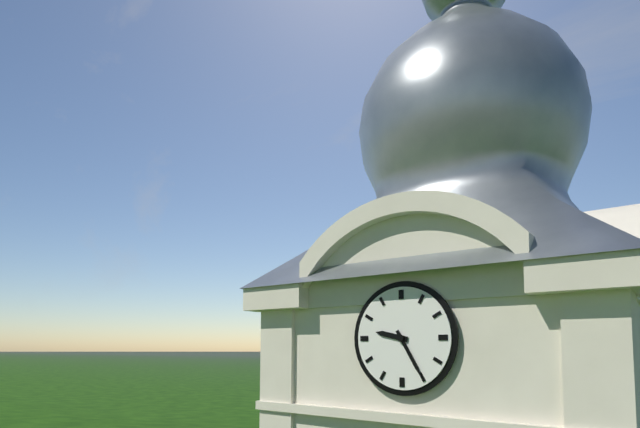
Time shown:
**9:25**
